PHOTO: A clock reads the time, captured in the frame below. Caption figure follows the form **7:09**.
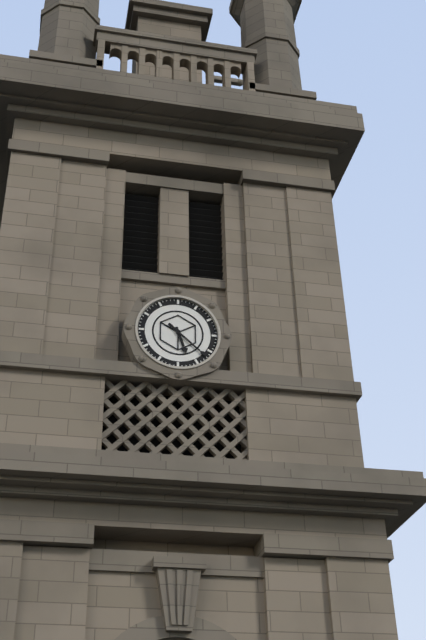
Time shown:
**5:22**
